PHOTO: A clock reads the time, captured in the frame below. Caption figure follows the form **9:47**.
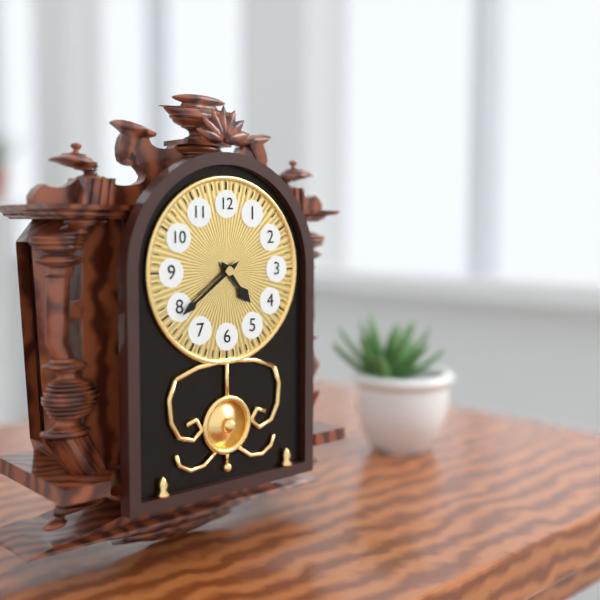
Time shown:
**4:39**
